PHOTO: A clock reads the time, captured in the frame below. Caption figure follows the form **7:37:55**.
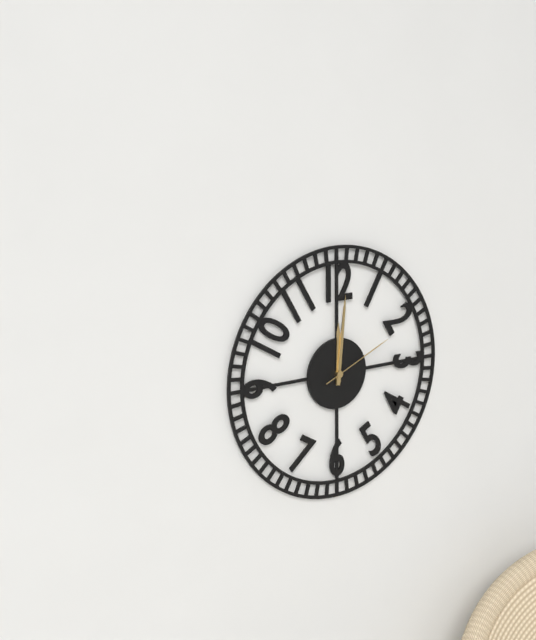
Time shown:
**12:01:11**
